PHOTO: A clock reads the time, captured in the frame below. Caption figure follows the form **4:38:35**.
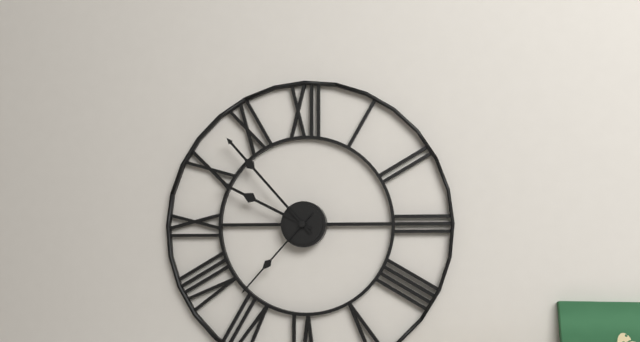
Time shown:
**9:53:37**
